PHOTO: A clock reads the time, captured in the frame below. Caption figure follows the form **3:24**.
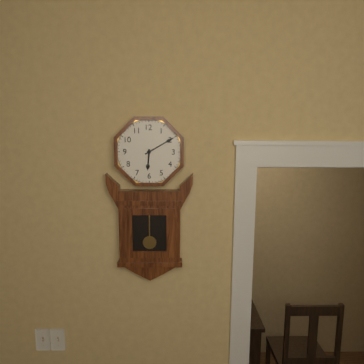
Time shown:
**6:10**
